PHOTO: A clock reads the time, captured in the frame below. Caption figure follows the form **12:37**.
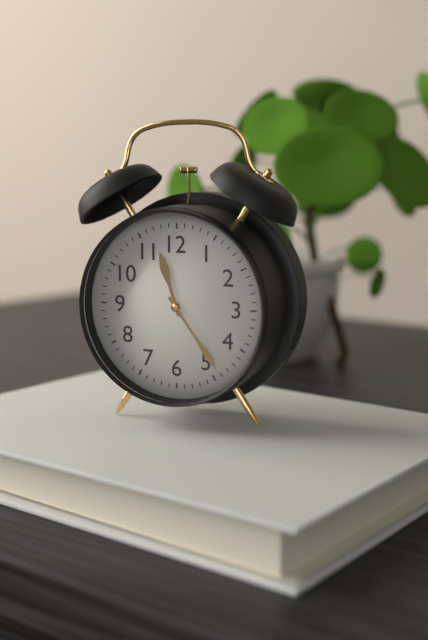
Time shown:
**11:24**
